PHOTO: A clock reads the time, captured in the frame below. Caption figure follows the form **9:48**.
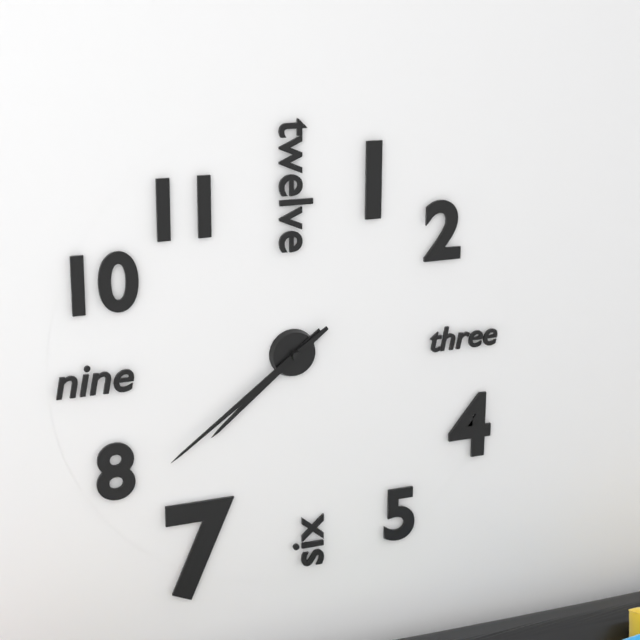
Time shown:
**7:39**
